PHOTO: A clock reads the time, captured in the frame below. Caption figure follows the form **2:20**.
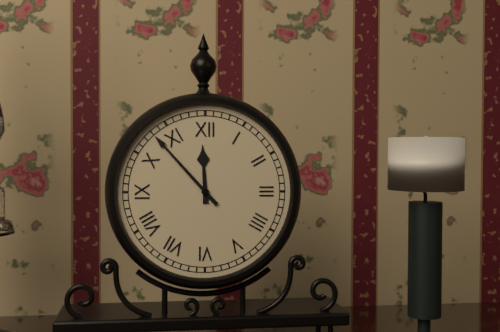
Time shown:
**11:53**
